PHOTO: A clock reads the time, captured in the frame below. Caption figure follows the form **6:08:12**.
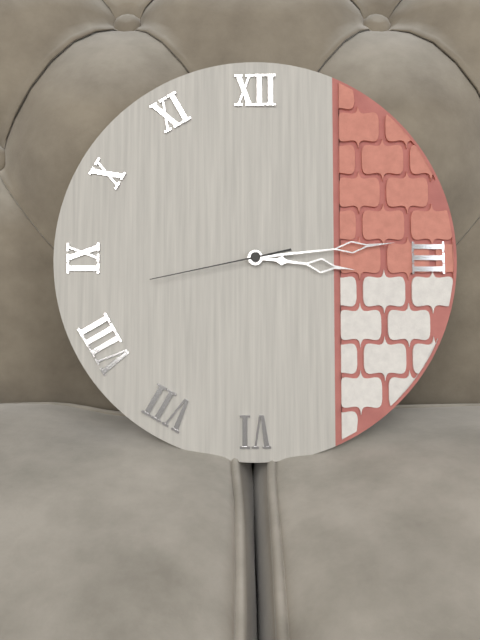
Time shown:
**3:14:43**
